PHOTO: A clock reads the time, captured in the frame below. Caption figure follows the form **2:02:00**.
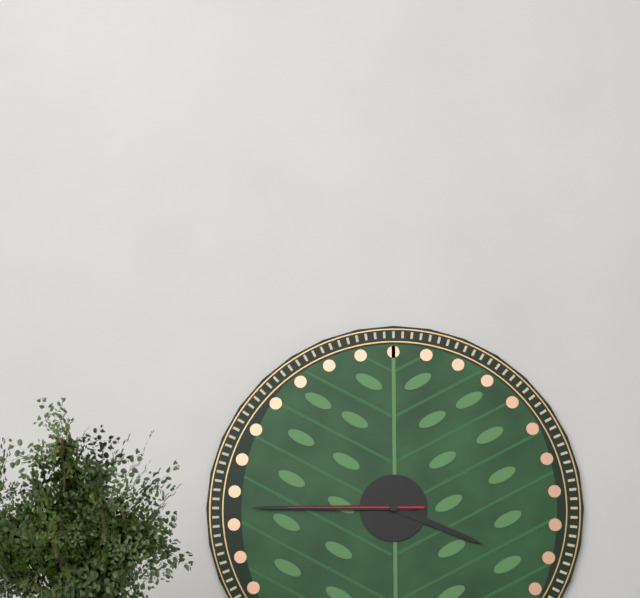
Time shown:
**3:45:45**
